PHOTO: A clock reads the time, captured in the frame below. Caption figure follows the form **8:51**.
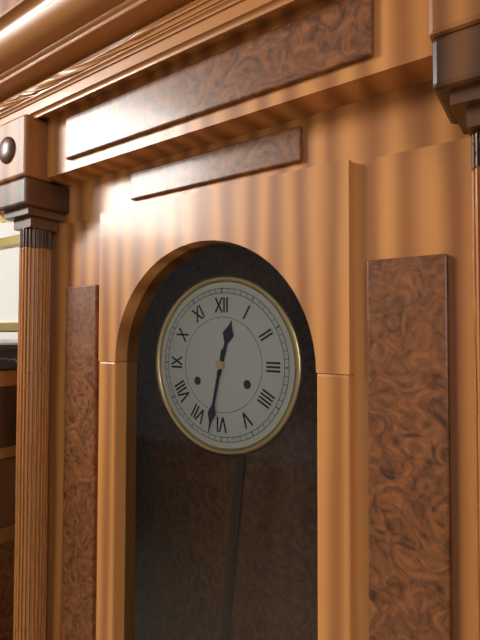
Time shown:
**12:32**
